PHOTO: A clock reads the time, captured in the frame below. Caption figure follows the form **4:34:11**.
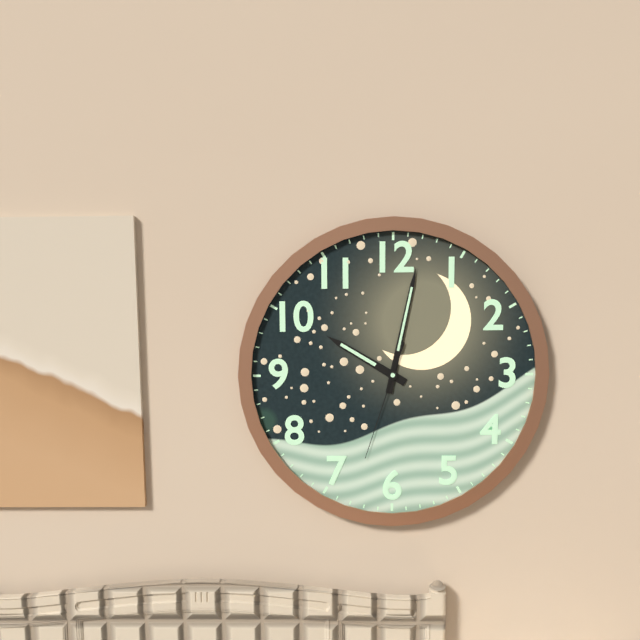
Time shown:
**10:02:33**
